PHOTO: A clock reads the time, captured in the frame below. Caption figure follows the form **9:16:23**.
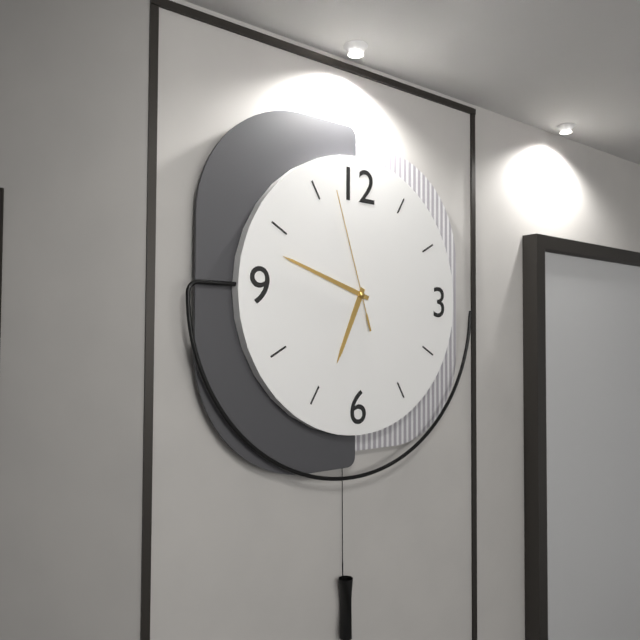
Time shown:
**6:48:57**
